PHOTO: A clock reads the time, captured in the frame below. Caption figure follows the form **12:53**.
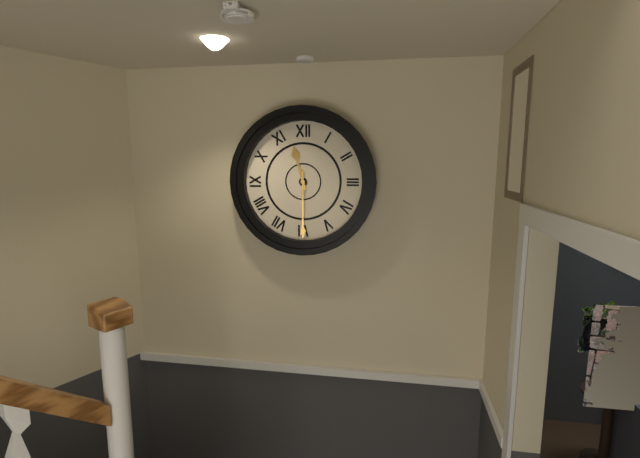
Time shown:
**11:30**
